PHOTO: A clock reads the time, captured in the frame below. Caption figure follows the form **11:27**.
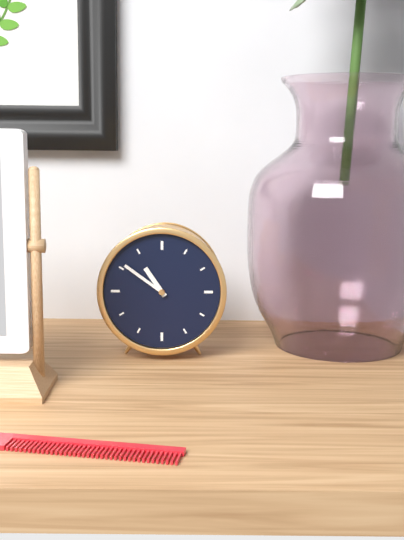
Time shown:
**10:51**
